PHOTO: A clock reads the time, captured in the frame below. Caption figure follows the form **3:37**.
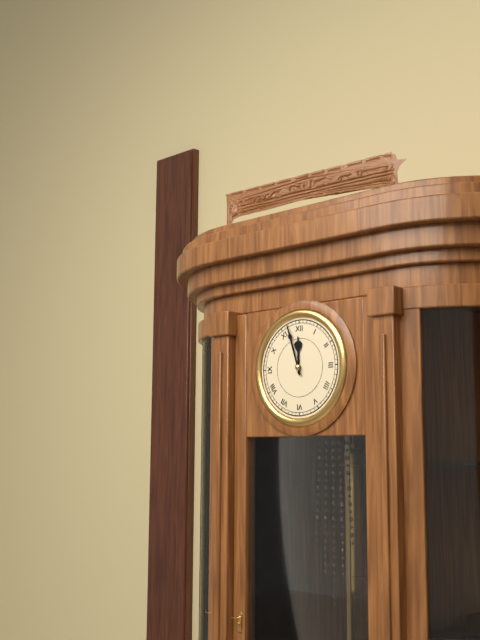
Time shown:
**11:57**
